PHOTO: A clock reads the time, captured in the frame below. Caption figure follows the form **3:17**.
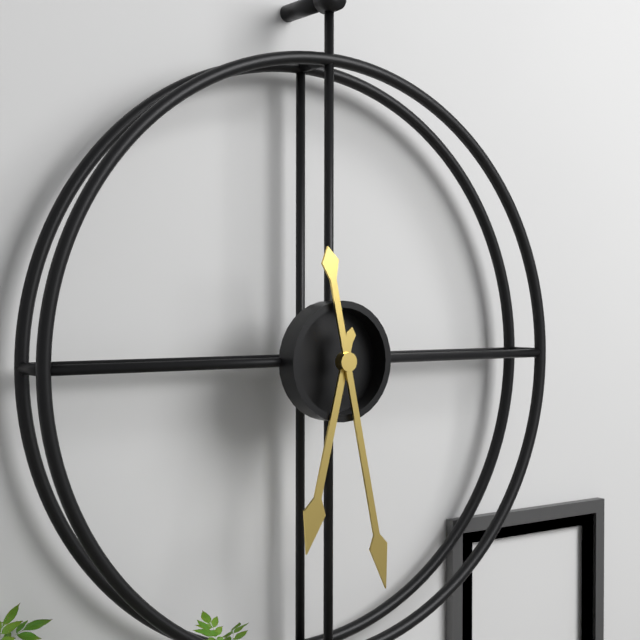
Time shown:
**6:28**
